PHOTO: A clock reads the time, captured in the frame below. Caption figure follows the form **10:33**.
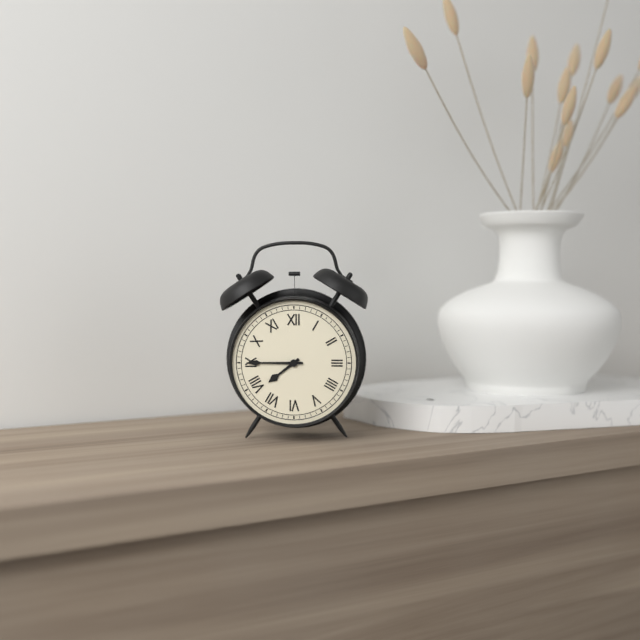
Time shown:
**7:45**
